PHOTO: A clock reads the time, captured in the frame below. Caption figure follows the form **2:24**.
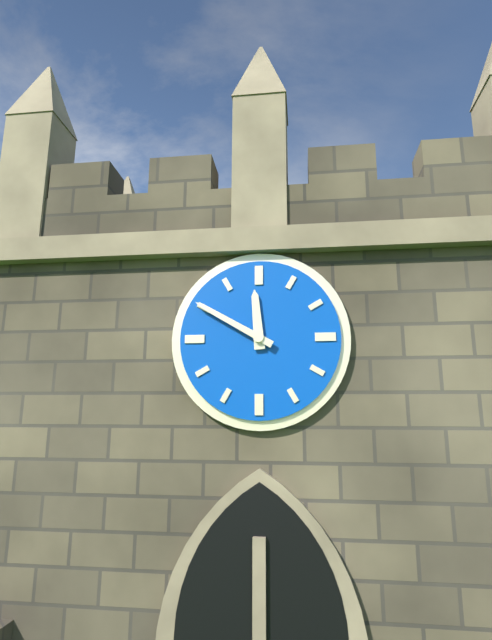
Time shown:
**11:50**
